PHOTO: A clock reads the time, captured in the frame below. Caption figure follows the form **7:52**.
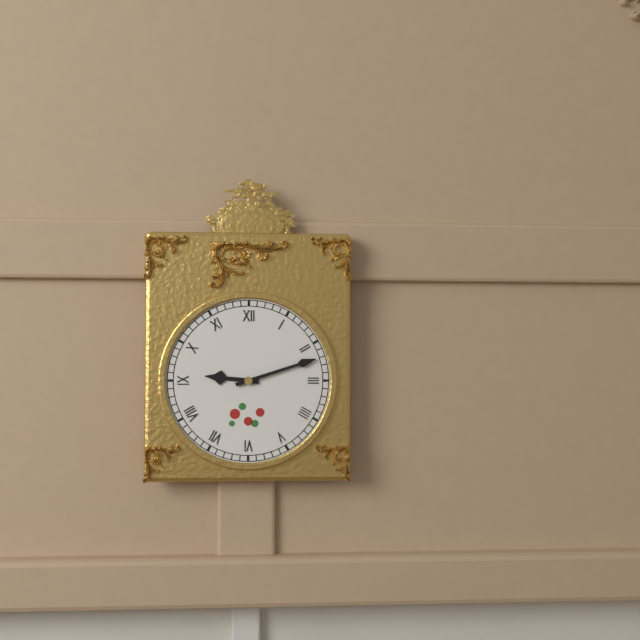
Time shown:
**9:12**
